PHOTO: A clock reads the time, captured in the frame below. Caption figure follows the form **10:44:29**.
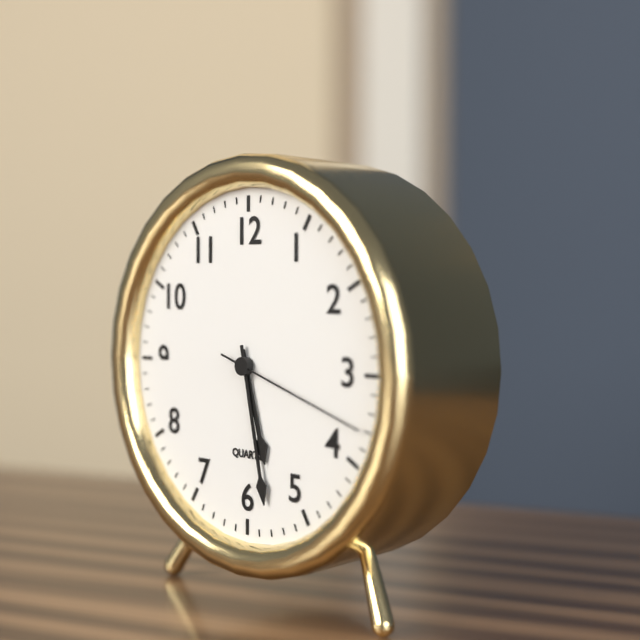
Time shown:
**5:28:18**
